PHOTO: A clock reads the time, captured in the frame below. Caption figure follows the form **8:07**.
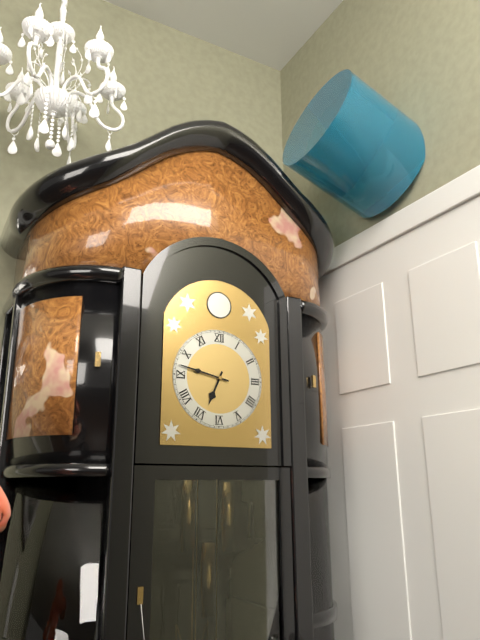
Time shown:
**6:47**
